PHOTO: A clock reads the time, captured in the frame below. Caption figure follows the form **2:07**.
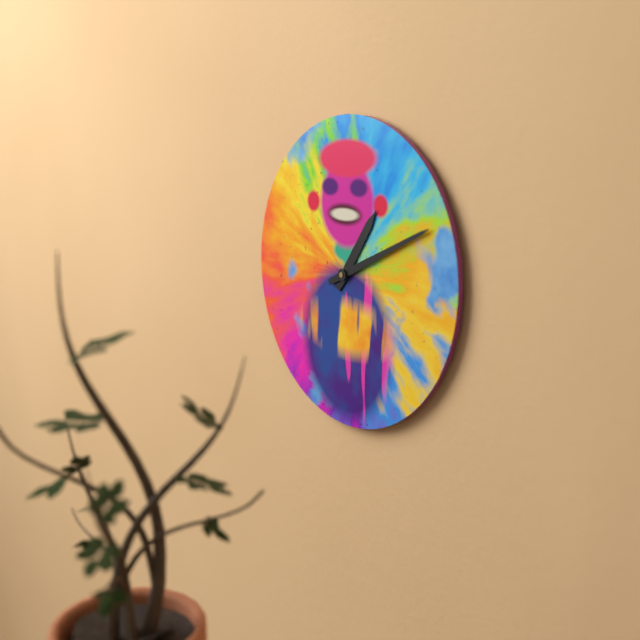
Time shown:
**1:11**
